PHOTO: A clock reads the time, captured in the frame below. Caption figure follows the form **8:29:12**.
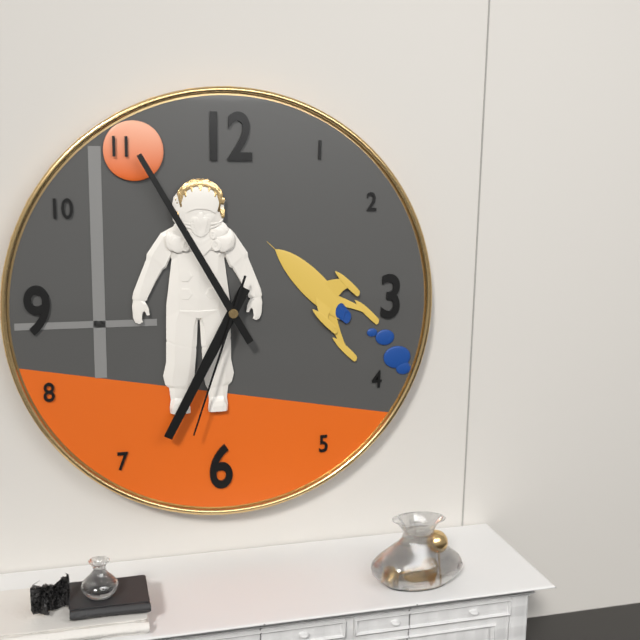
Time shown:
**6:55:33**
